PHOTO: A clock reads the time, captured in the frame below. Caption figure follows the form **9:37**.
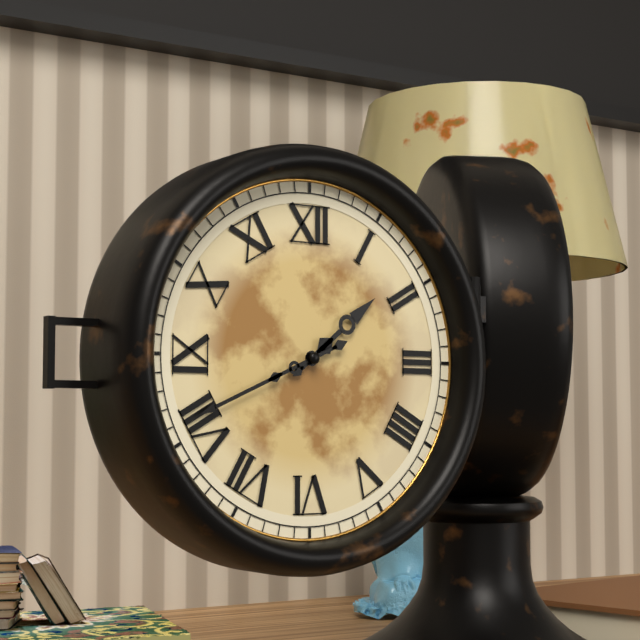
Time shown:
**1:41**
